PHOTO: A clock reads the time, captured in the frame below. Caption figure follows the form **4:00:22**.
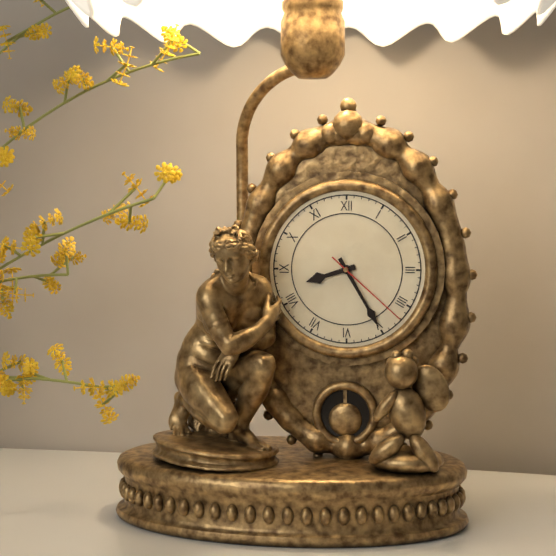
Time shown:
**8:25:22**
